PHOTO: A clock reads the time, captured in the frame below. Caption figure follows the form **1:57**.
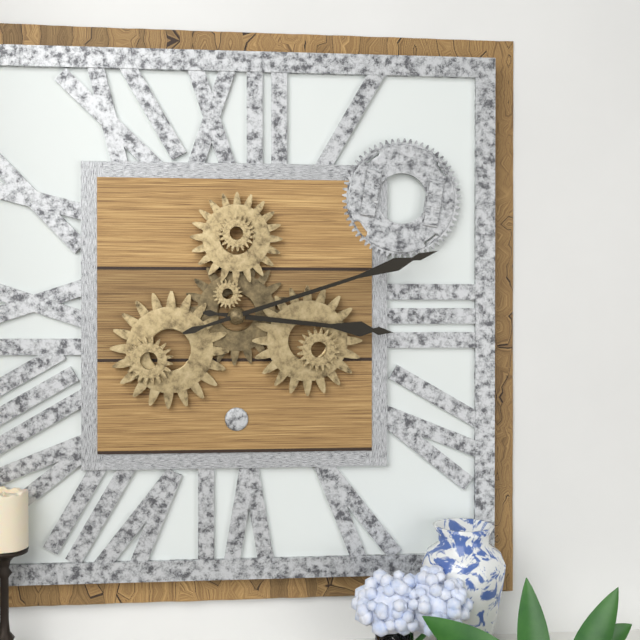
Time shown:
**3:12**
